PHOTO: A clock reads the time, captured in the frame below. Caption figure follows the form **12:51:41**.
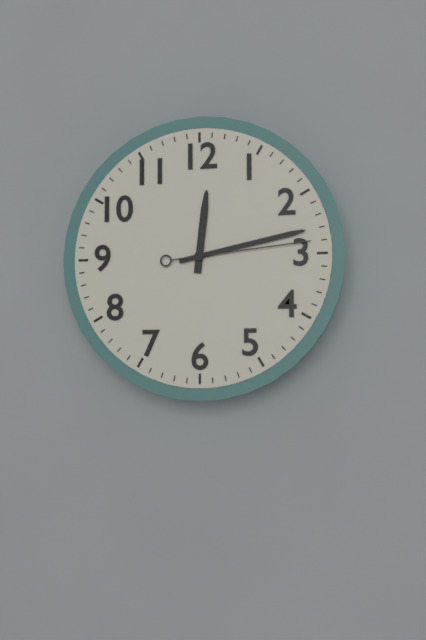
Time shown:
**12:13:14**
